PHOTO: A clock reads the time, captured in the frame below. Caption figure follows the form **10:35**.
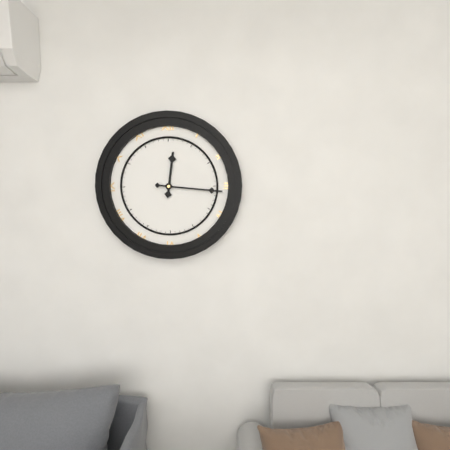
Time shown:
**12:16**
